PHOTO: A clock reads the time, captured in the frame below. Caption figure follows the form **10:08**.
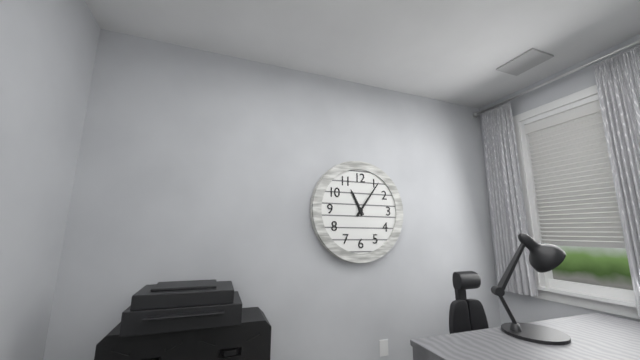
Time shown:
**11:06**
